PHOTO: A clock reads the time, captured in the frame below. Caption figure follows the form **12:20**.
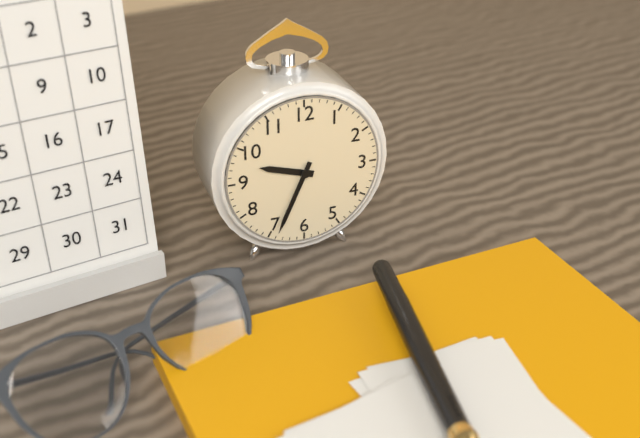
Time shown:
**9:34**
